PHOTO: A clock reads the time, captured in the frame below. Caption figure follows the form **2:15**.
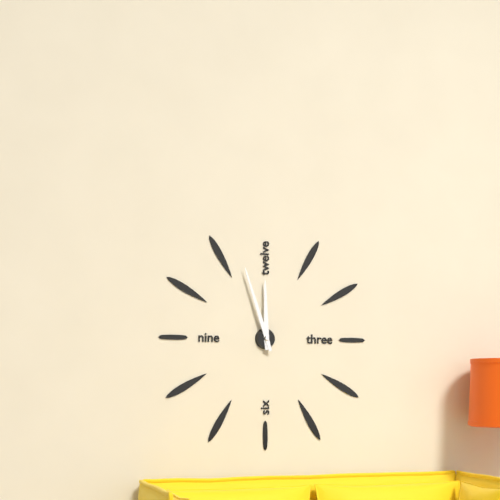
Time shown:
**11:57**
